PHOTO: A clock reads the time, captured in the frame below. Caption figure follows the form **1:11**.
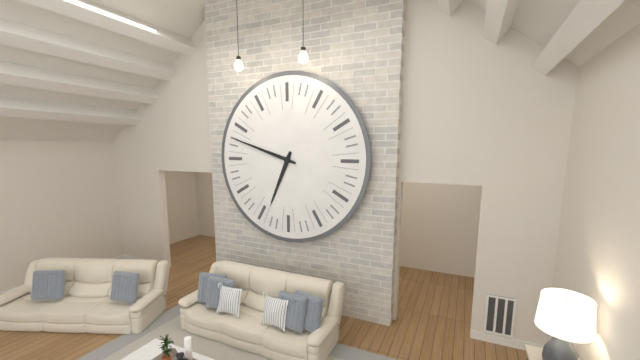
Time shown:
**6:48**
